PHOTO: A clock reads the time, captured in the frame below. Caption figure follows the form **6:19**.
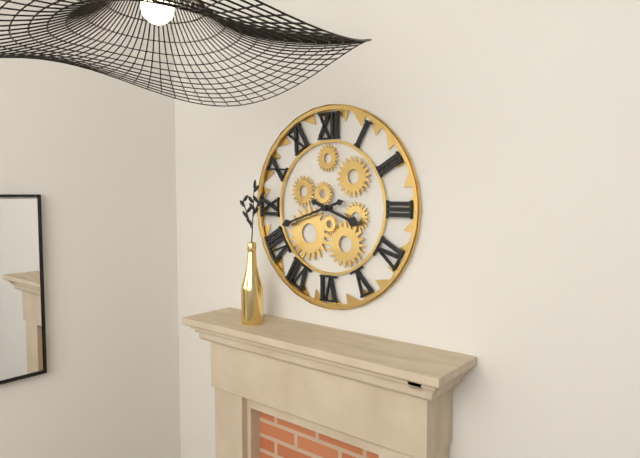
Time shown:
**3:42**
